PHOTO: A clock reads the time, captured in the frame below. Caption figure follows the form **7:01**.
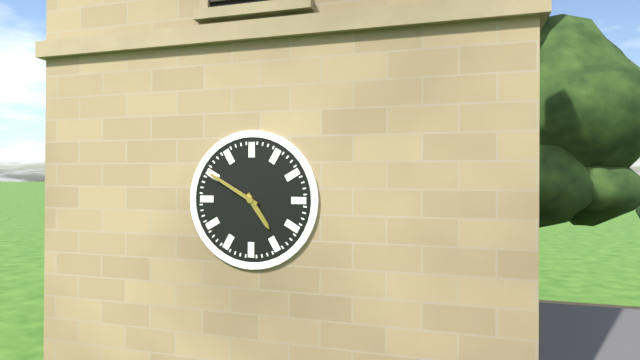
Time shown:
**4:50**
